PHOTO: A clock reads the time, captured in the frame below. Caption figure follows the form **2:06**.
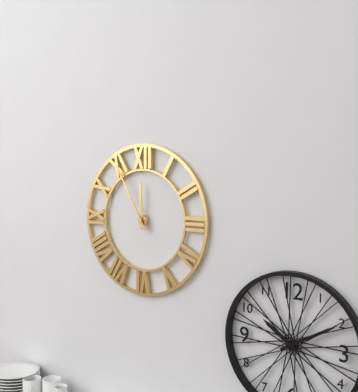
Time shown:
**11:55**
